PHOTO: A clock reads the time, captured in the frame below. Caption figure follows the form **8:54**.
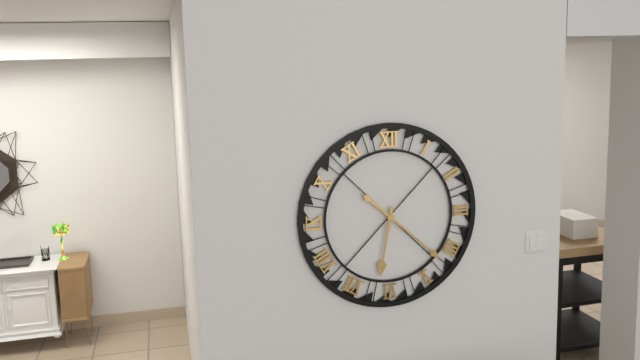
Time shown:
**6:22**
